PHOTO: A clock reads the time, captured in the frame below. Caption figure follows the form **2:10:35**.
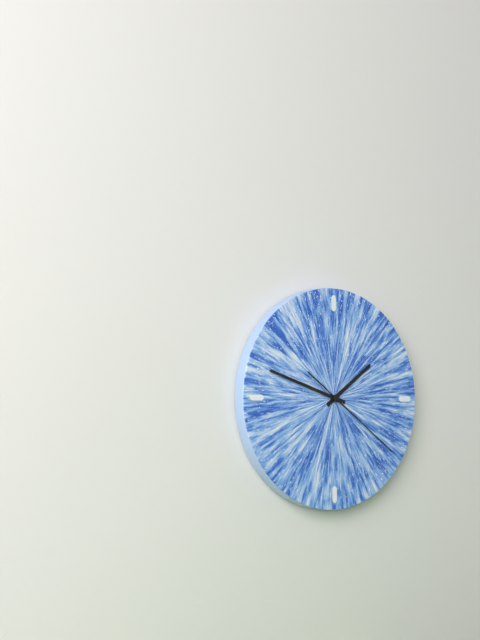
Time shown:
**1:48:21**
